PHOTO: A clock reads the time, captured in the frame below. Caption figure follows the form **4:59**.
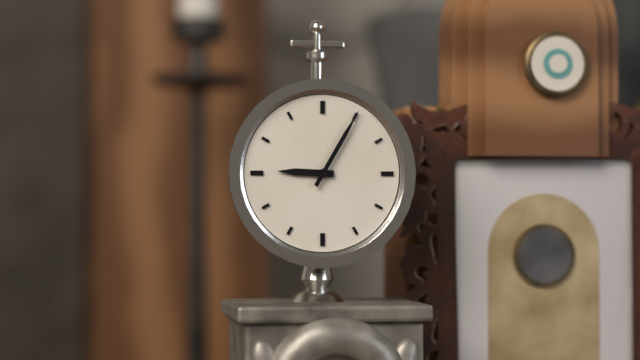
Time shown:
**9:05**
